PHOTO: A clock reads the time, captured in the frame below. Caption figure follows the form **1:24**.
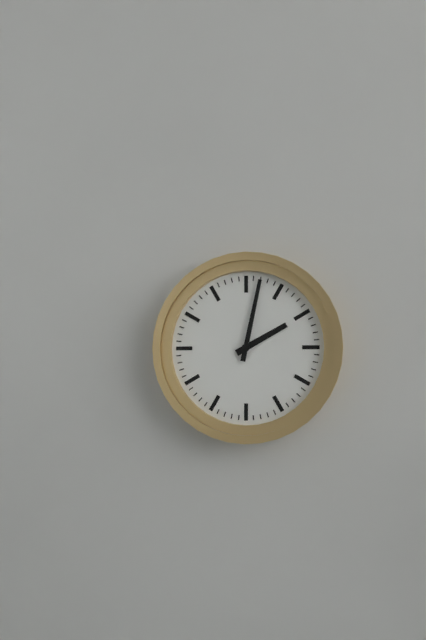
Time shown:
**2:02**
